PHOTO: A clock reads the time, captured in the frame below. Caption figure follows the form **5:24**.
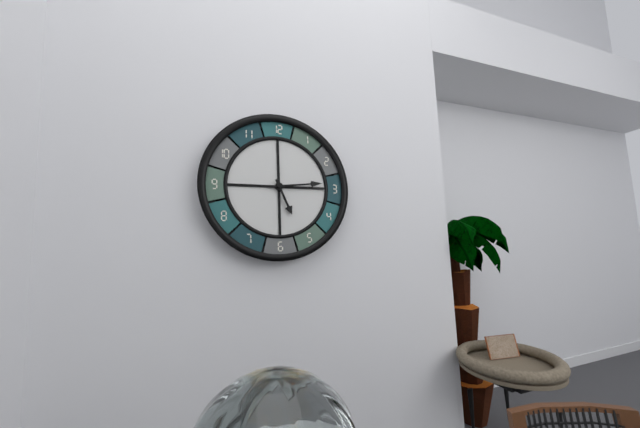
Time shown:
**5:14**
